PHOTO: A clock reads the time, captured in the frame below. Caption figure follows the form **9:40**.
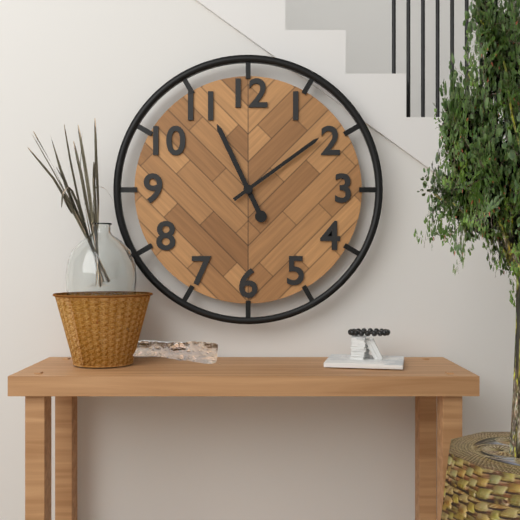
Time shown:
**11:09**
